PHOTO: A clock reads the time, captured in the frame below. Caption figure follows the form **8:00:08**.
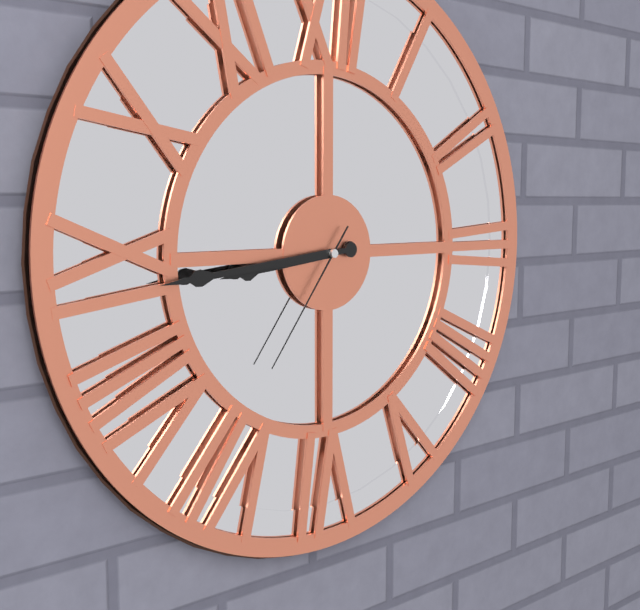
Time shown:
**8:44:36**
